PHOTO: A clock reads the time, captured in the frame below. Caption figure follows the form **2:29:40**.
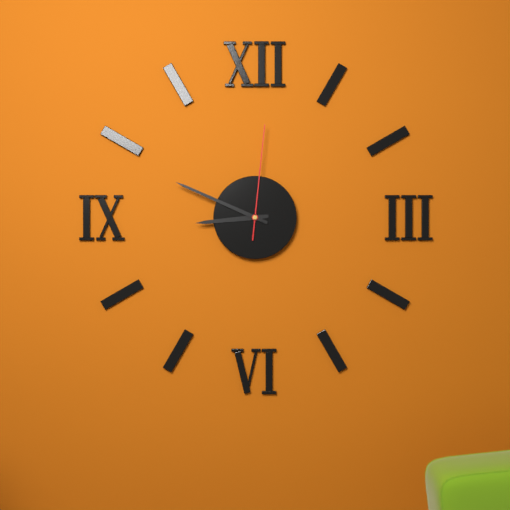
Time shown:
**8:49:01**
